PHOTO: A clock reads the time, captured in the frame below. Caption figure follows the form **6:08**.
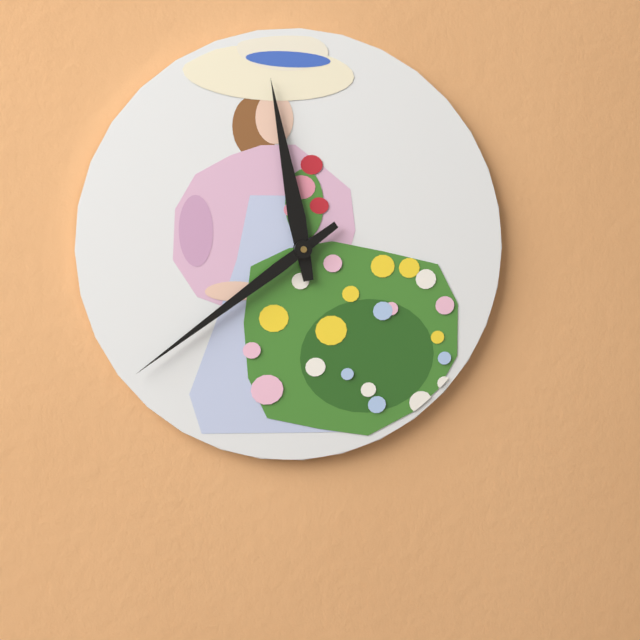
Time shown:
**11:39**
